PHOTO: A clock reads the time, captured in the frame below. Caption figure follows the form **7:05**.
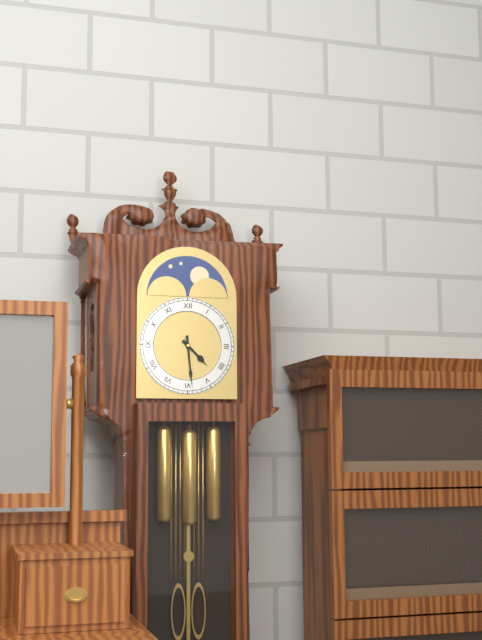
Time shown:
**4:29**
